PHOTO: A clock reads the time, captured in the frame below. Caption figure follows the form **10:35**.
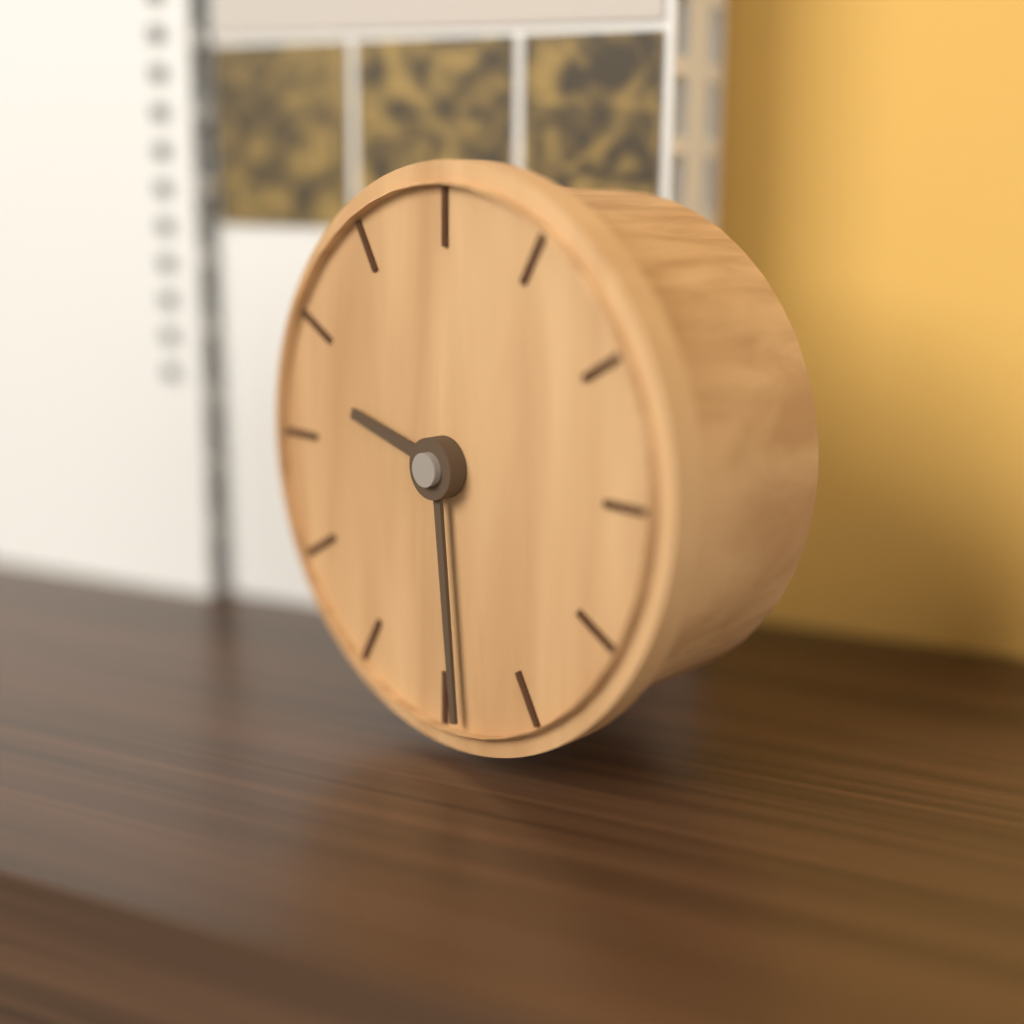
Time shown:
**9:29**
